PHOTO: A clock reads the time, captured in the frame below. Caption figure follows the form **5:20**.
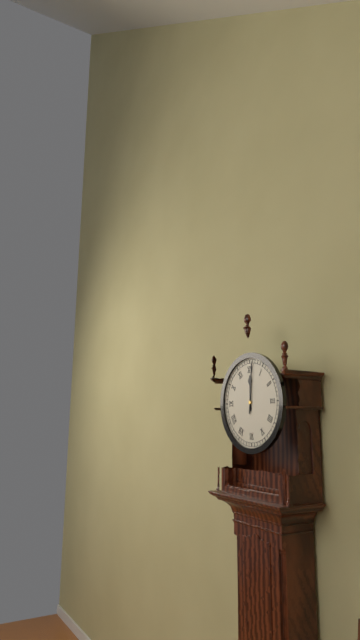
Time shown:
**12:01**
